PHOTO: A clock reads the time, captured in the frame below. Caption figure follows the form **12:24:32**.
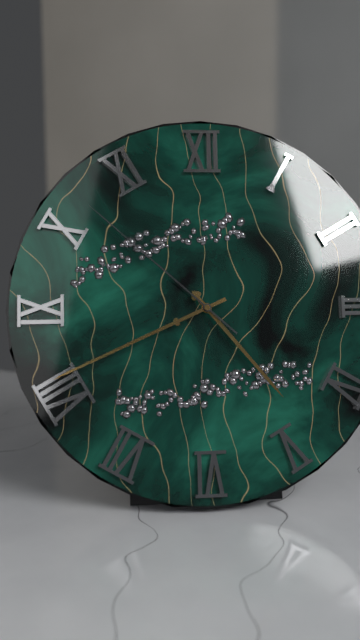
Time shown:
**4:41:52**
